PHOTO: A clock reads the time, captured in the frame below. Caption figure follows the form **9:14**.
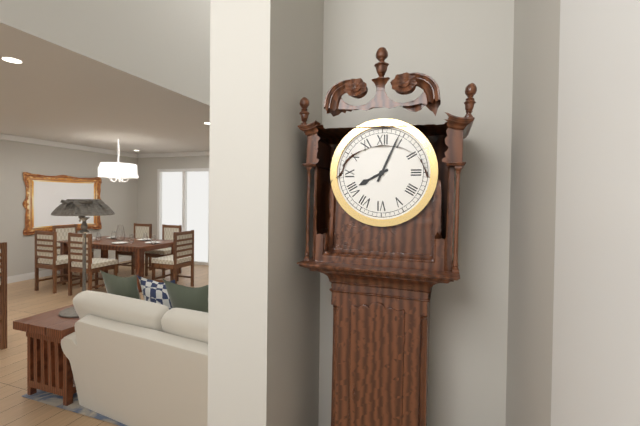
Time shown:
**8:04**
